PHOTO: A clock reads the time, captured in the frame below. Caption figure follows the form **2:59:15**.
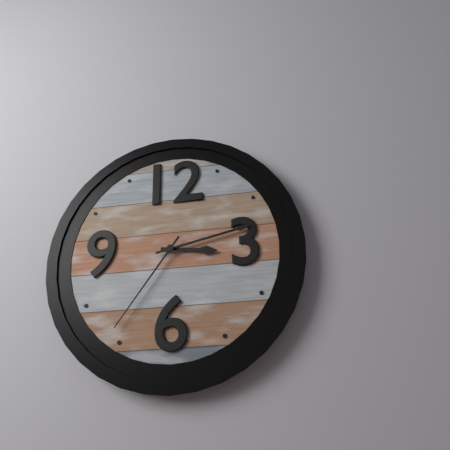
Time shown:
**3:13:36**
